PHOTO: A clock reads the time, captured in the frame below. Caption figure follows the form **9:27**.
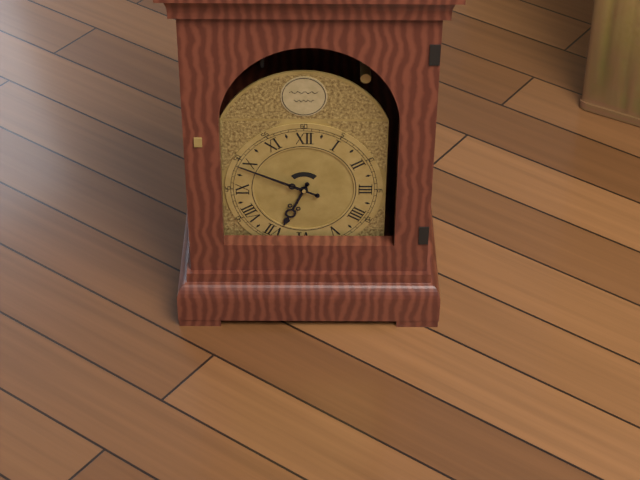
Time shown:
**6:49**
